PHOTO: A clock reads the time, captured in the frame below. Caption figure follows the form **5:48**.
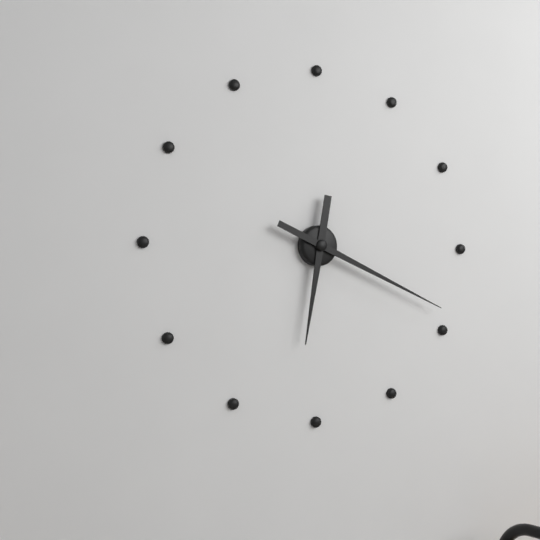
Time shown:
**6:19**
